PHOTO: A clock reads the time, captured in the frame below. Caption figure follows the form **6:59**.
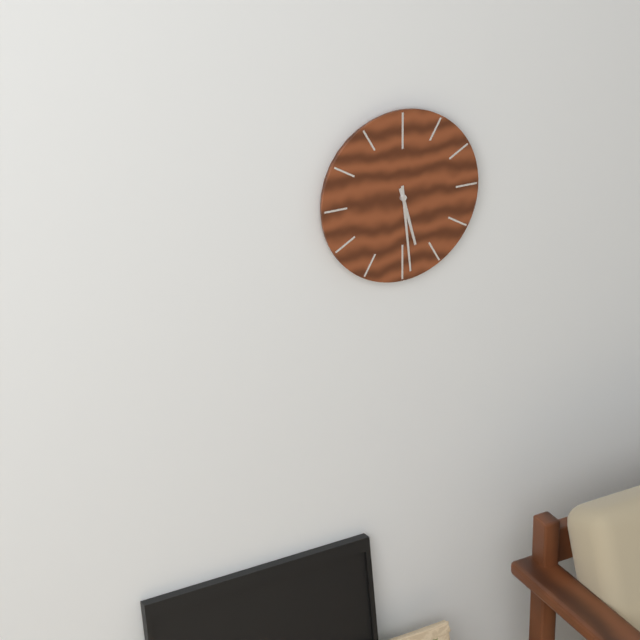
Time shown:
**5:29**
